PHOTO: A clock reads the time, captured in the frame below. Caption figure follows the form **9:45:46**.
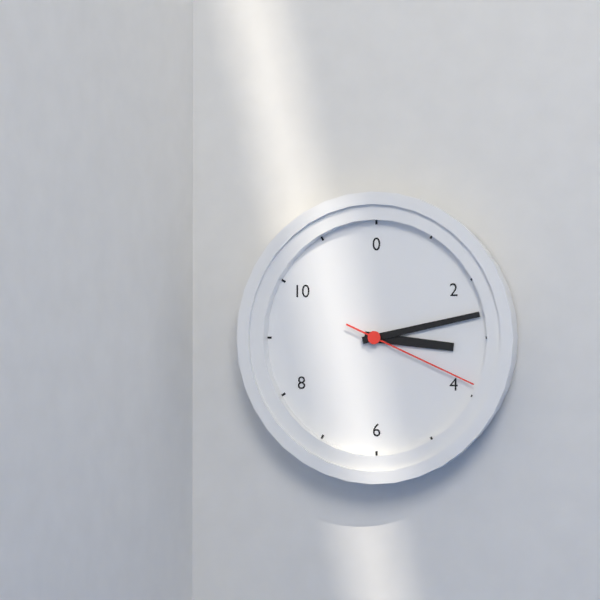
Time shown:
**3:13:19**
